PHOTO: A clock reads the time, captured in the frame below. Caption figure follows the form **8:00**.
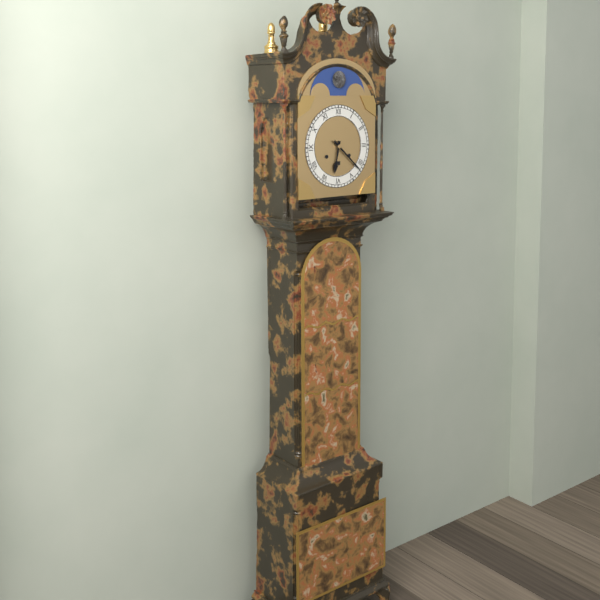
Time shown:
**6:22**
